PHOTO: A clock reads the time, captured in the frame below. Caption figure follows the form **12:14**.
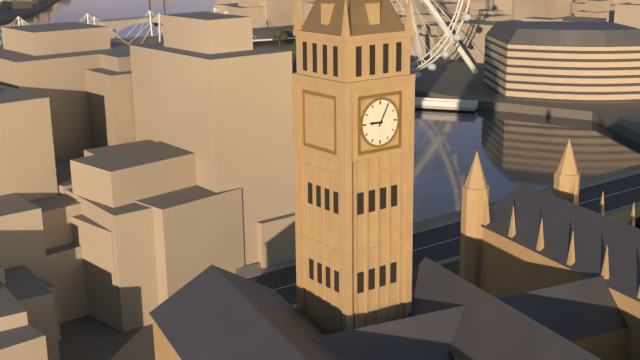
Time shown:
**9:05**
